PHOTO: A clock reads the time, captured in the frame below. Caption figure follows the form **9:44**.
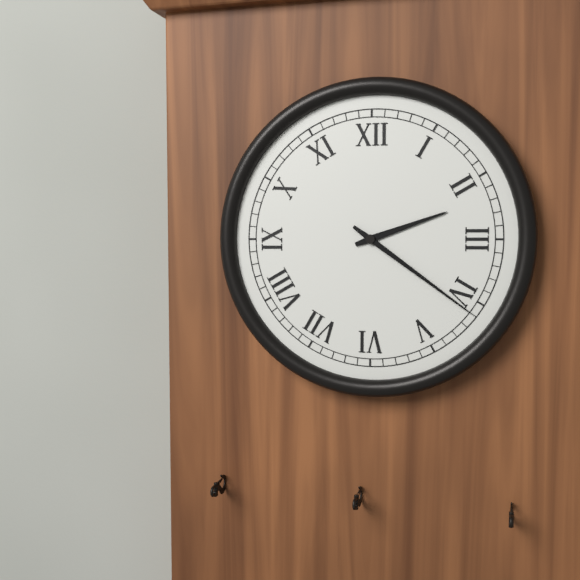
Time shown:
**2:21**
